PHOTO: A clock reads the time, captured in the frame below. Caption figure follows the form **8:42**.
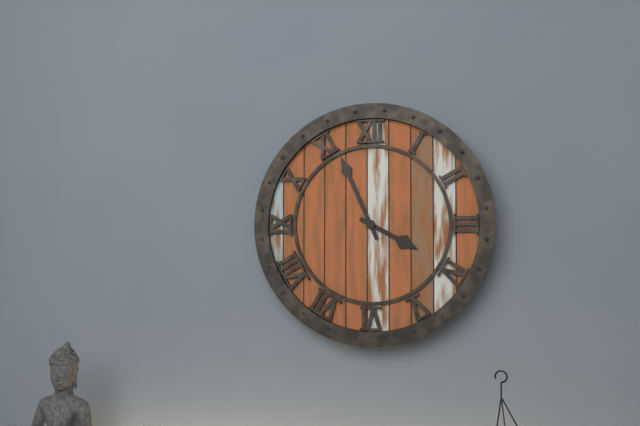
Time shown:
**3:56**
